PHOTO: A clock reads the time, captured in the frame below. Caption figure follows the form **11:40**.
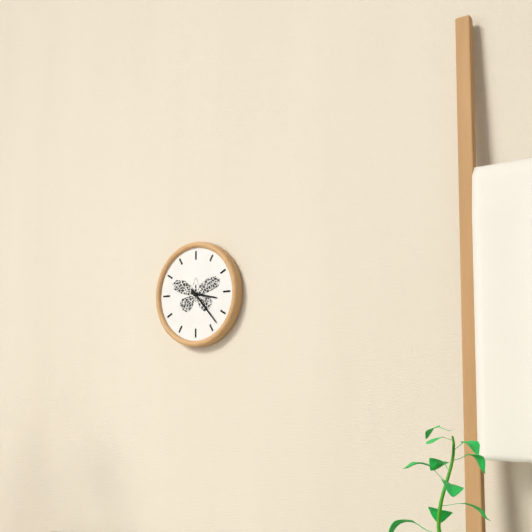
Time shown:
**3:23**
